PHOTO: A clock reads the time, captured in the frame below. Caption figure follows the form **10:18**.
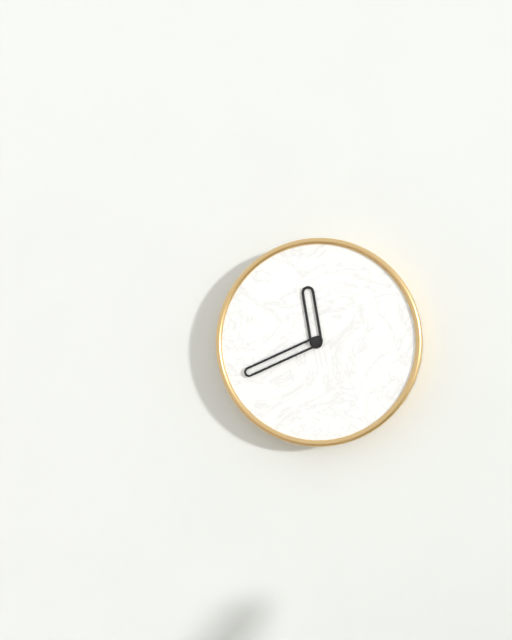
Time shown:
**11:41**
